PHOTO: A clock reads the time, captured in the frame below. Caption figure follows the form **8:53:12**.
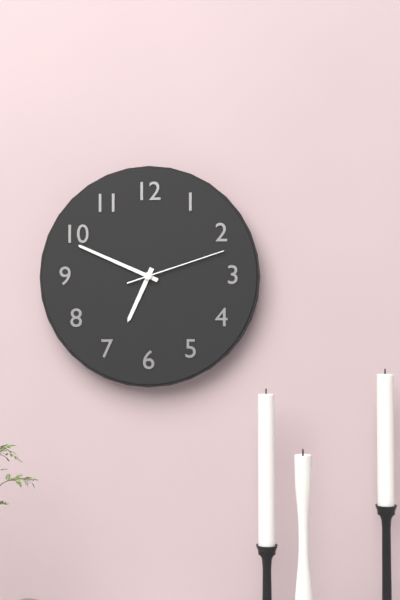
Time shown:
**6:49:12**
